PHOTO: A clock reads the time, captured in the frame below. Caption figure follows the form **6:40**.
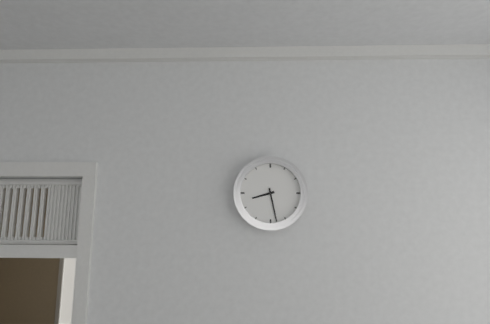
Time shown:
**8:28**
